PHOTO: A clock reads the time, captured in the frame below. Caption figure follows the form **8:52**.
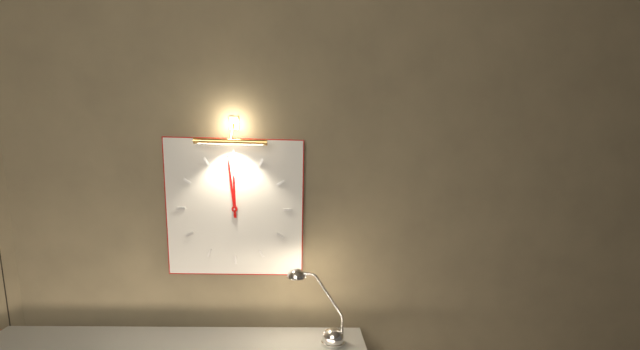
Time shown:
**11:59**
